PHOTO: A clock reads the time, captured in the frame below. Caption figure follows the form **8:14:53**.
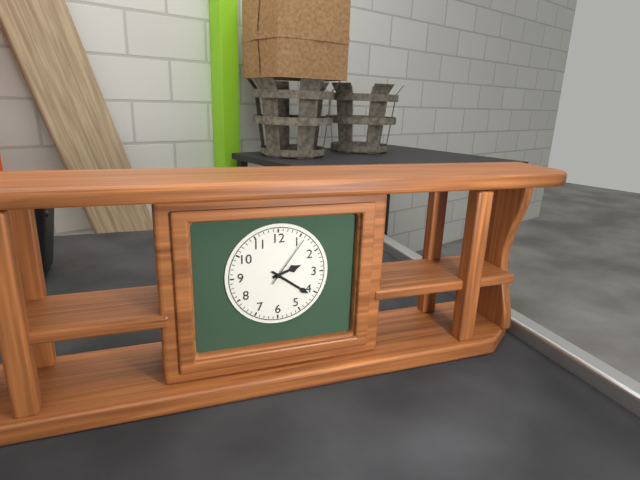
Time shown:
**2:21:06**
